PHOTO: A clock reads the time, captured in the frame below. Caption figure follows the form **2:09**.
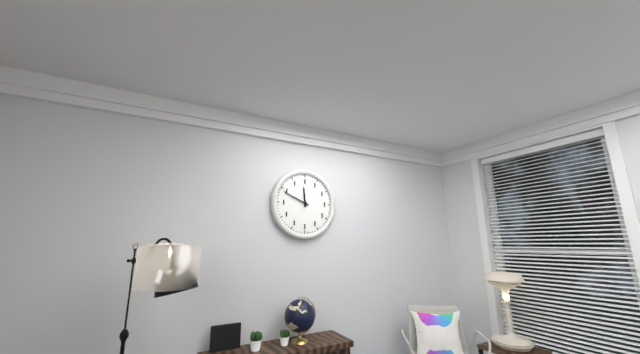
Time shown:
**11:49**
